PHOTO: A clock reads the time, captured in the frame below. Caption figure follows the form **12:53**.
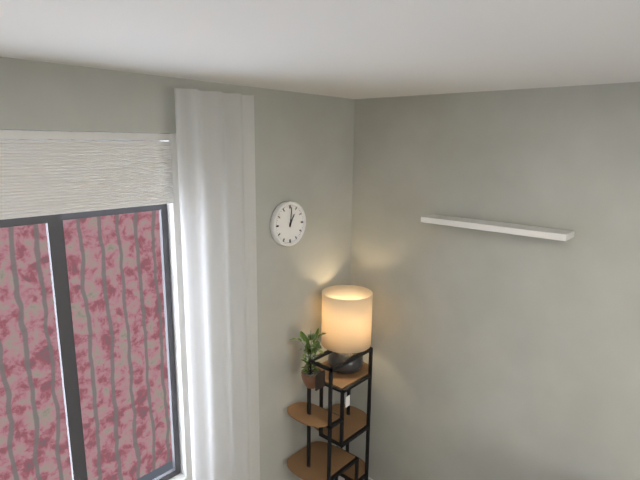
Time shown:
**1:01**
